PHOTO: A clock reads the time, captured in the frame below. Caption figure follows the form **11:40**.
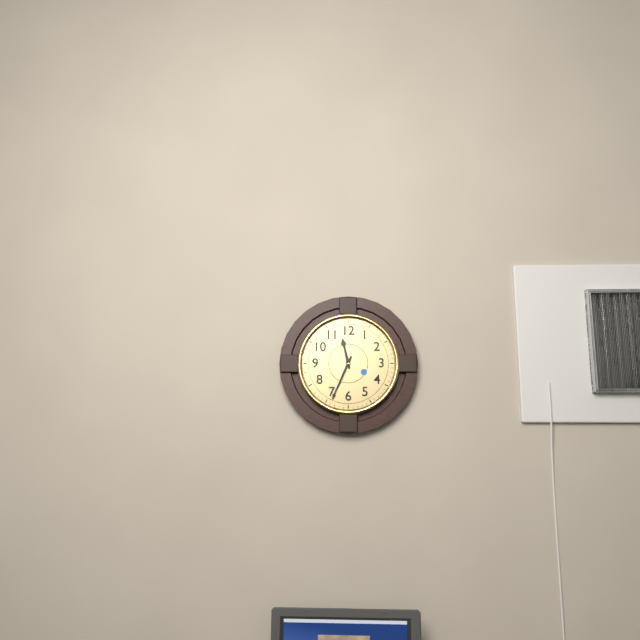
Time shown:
**11:34**
